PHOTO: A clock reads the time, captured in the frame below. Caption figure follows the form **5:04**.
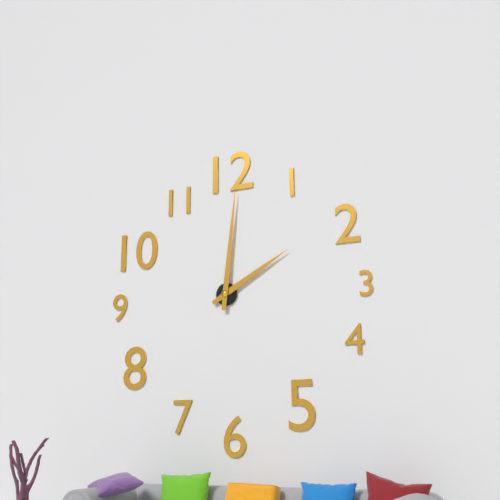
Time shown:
**2:01**
